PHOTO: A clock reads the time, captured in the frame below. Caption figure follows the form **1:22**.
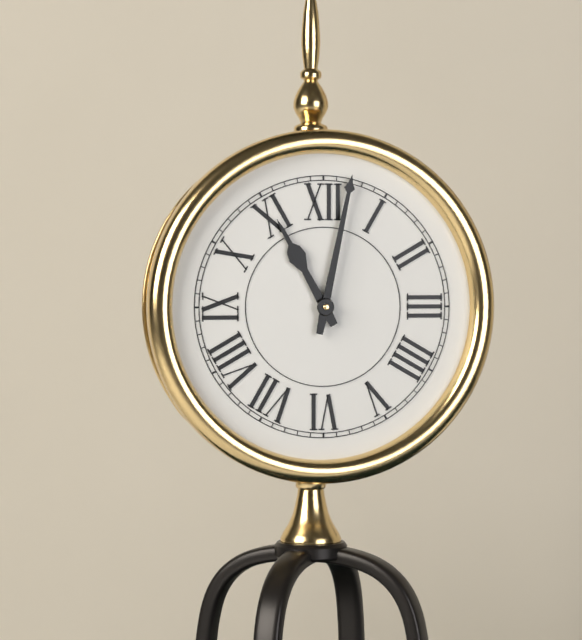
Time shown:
**11:02**
